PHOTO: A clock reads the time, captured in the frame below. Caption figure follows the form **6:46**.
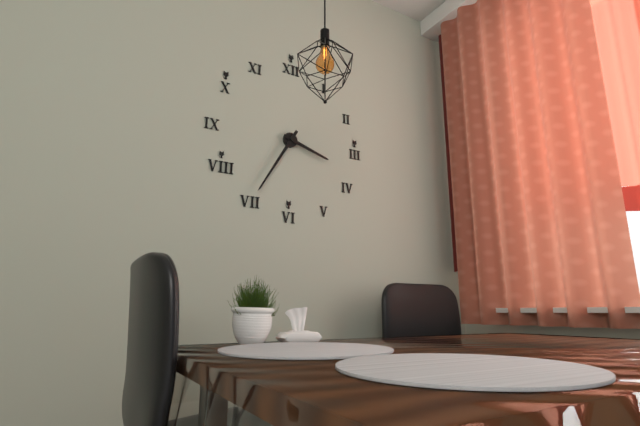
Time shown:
**3:35**
